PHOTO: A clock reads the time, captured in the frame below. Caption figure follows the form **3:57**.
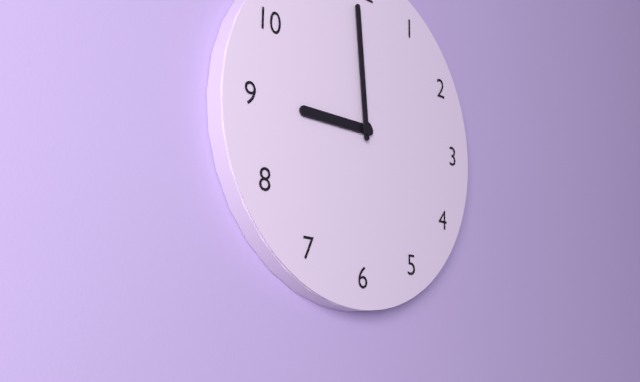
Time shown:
**8:59**
